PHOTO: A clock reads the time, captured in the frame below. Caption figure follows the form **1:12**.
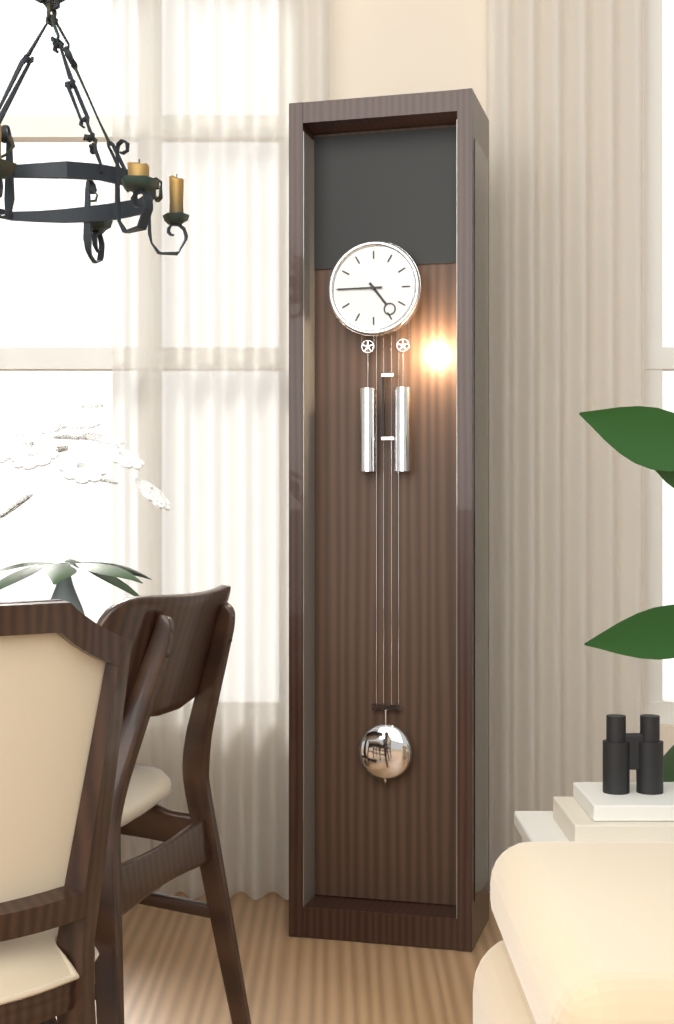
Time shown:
**4:45**
